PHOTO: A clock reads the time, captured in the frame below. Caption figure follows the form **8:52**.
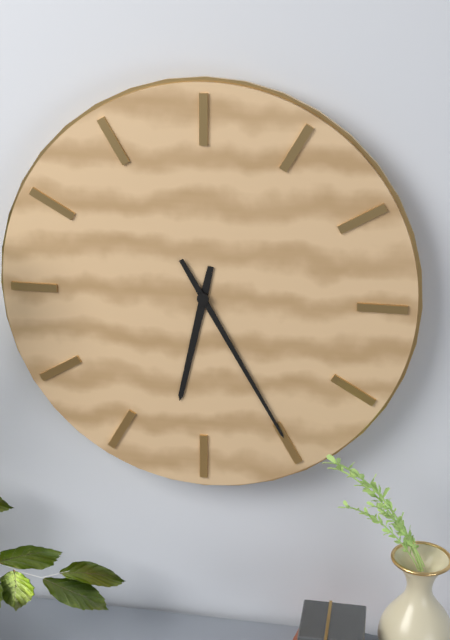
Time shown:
**6:25**
